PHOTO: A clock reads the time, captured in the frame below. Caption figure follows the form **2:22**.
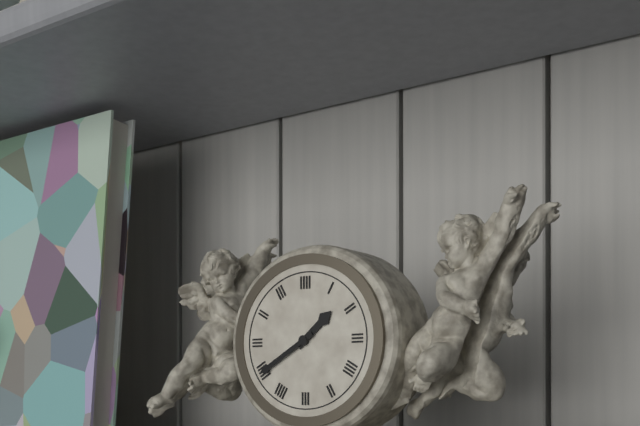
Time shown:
**1:40**
